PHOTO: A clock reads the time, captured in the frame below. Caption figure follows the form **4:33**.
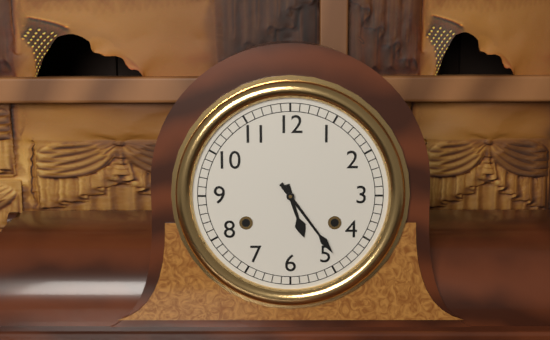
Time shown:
**5:24**
